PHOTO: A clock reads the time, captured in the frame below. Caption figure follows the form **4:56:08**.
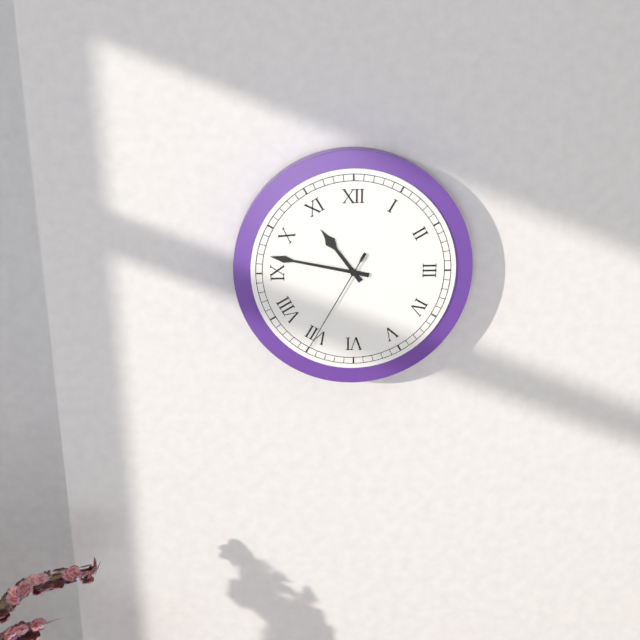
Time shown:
**10:47:35**
